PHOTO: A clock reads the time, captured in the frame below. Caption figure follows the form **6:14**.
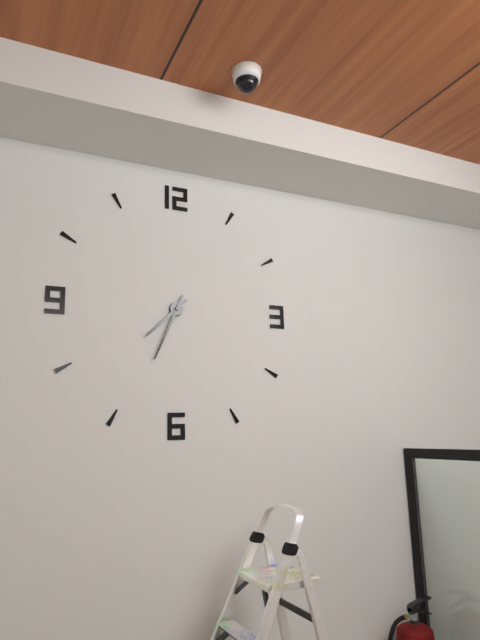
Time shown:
**7:34**
